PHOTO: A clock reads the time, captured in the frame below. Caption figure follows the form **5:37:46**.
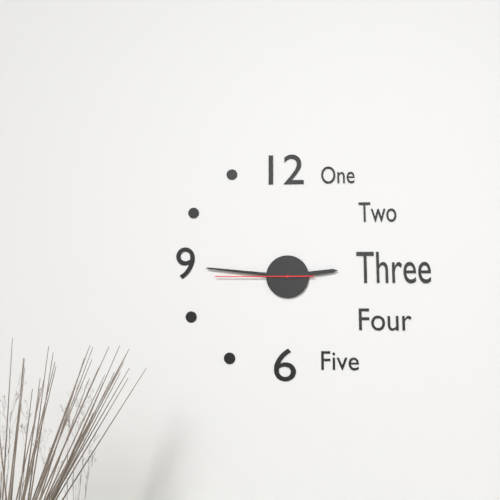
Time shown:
**2:46:45**
